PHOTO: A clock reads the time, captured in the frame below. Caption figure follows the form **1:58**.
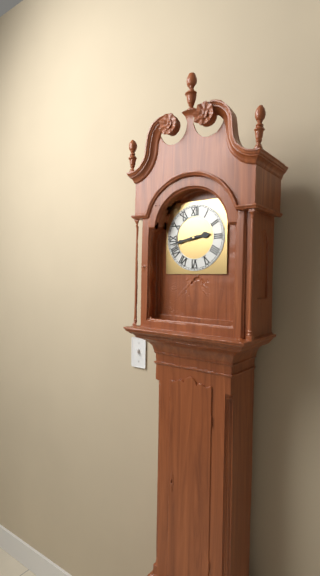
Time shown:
**2:43**
